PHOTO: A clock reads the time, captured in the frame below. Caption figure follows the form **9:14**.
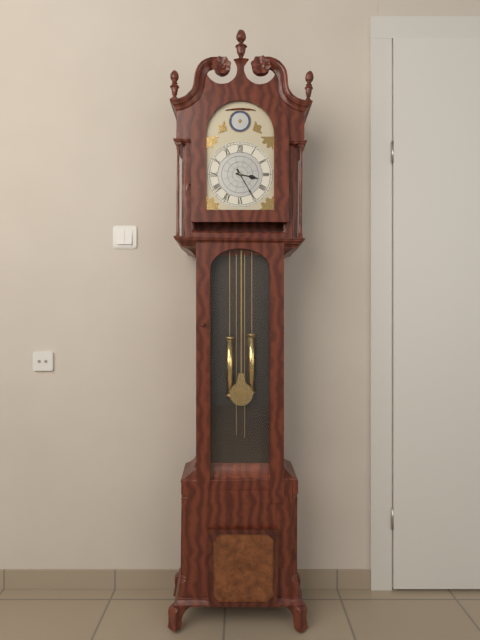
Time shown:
**3:25**
